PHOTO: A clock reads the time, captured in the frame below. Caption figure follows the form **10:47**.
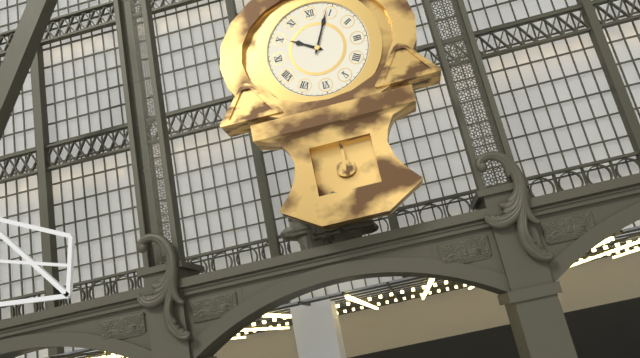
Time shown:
**10:04**
